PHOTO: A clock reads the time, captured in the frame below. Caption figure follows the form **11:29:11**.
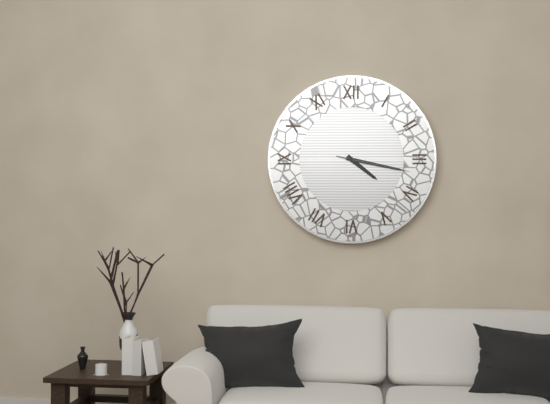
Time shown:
**4:17:17**
